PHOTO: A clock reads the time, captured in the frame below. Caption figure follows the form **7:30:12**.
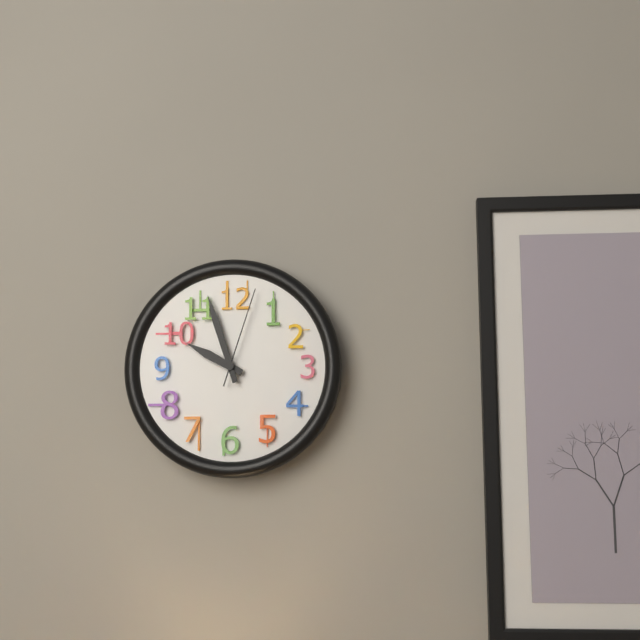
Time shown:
**9:57:03**
